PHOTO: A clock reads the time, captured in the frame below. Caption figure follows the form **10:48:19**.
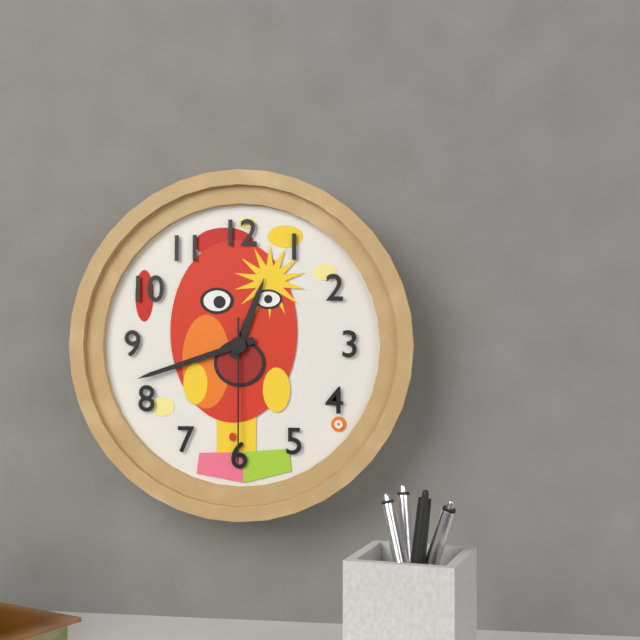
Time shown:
**12:42:30**
